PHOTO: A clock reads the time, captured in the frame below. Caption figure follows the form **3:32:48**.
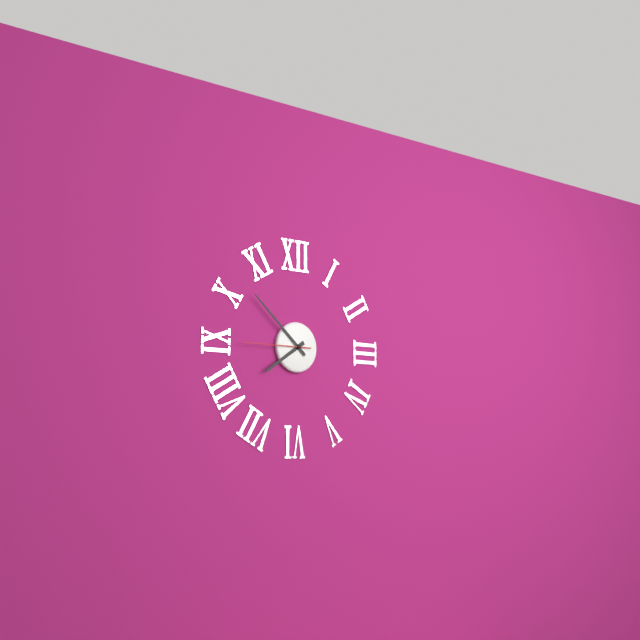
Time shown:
**7:52:45**
